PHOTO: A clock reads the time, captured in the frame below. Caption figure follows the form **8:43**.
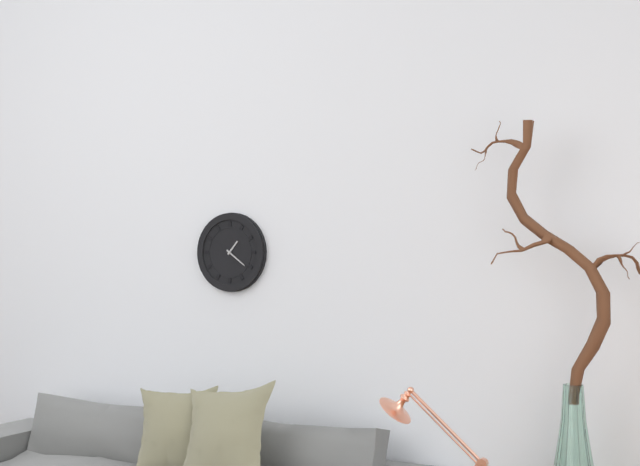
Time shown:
**1:21**
